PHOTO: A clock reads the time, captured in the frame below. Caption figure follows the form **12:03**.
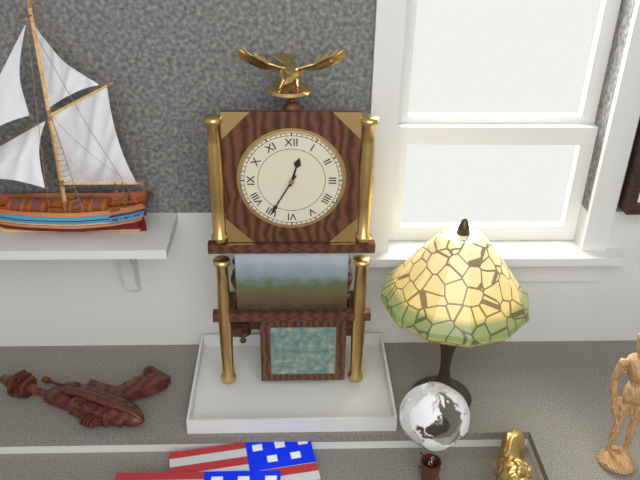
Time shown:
**12:35**
